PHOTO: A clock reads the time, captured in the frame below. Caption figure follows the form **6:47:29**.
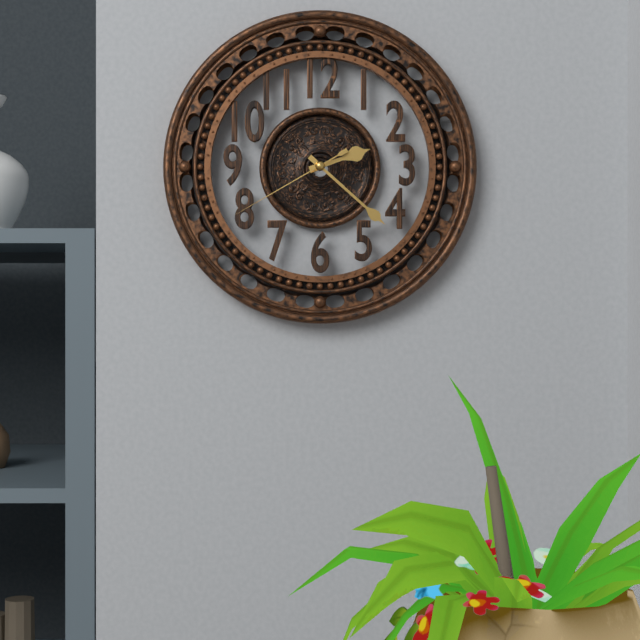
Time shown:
**2:22:40**
